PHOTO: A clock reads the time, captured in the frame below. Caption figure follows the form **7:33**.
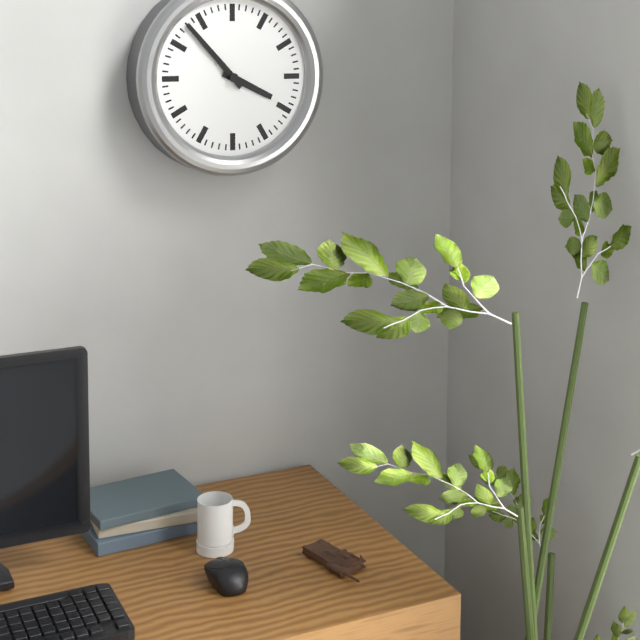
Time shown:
**3:53**
